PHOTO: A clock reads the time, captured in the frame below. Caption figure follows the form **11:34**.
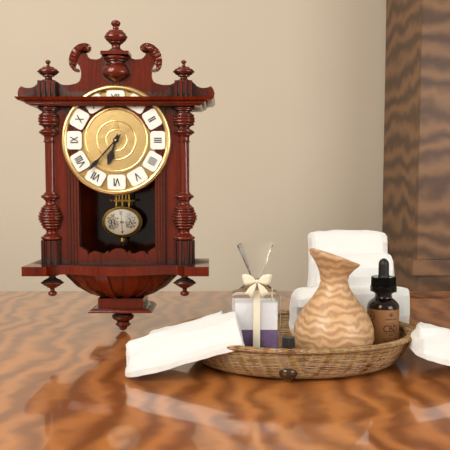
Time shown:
**6:37**
